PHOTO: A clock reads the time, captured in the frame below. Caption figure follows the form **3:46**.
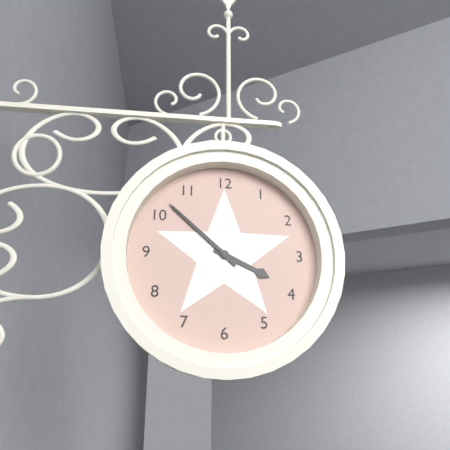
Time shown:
**3:52**
